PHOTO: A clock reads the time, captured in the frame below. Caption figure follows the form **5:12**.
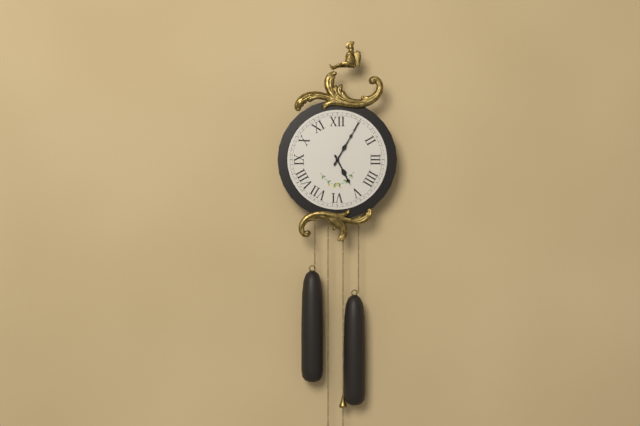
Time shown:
**5:05**
